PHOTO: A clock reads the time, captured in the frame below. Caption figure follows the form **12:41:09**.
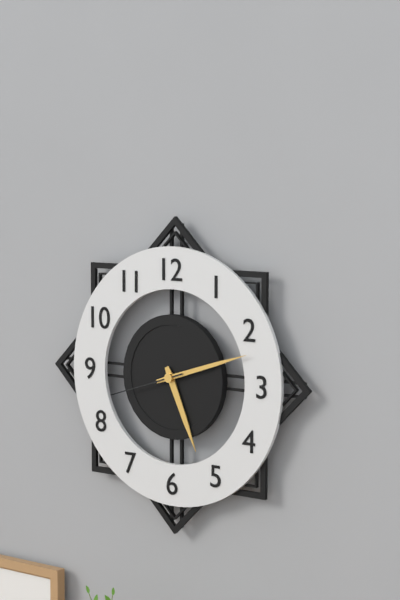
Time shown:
**5:12:42**
